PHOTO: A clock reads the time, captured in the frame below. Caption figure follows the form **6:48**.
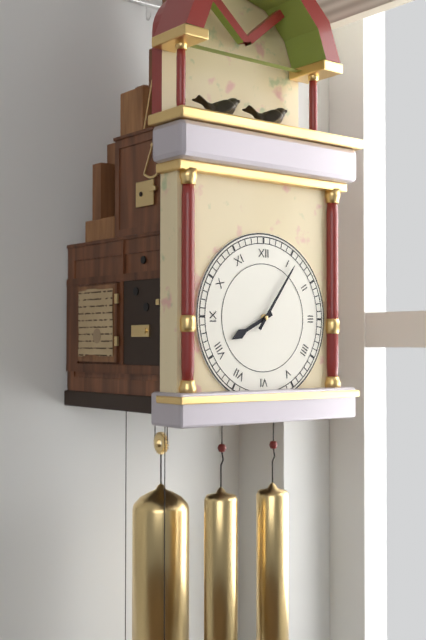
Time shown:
**8:06**
